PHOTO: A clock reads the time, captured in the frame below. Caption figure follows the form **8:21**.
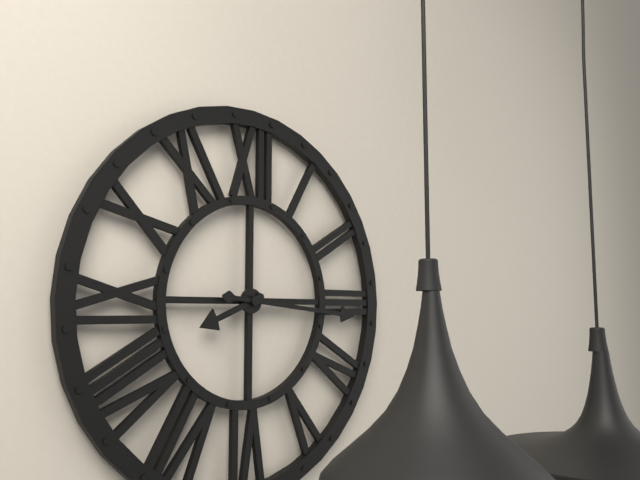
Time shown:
**8:16**
